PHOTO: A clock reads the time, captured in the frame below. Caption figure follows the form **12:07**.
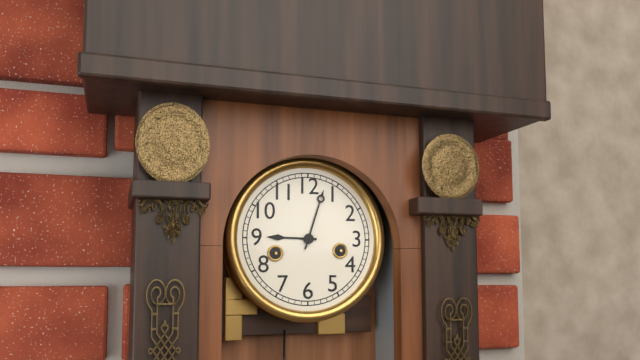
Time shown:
**9:03**
